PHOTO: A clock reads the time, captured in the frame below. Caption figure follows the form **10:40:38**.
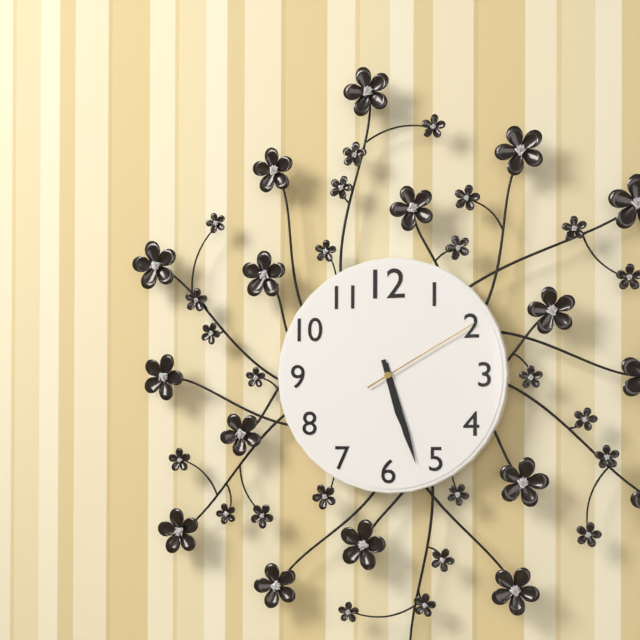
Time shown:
**5:27:10**
